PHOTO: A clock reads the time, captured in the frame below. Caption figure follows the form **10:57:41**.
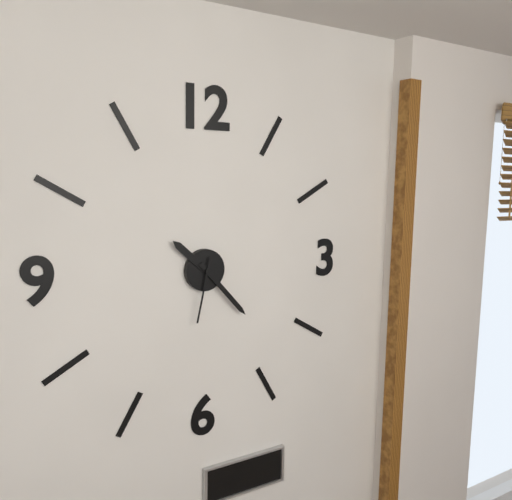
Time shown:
**10:23:32**
